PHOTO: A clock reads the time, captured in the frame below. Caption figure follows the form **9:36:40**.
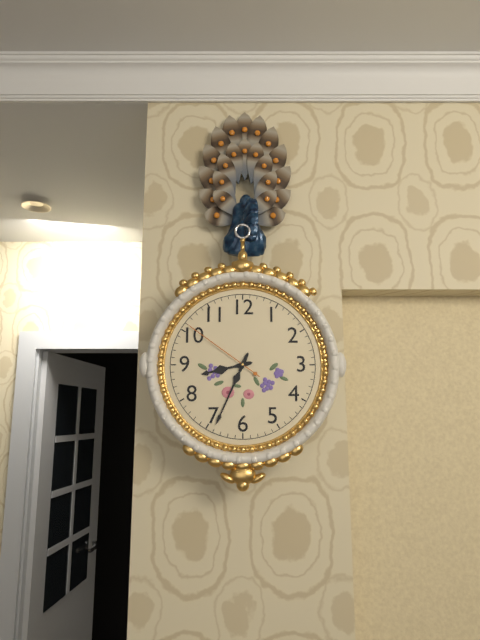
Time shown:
**8:34:51**
